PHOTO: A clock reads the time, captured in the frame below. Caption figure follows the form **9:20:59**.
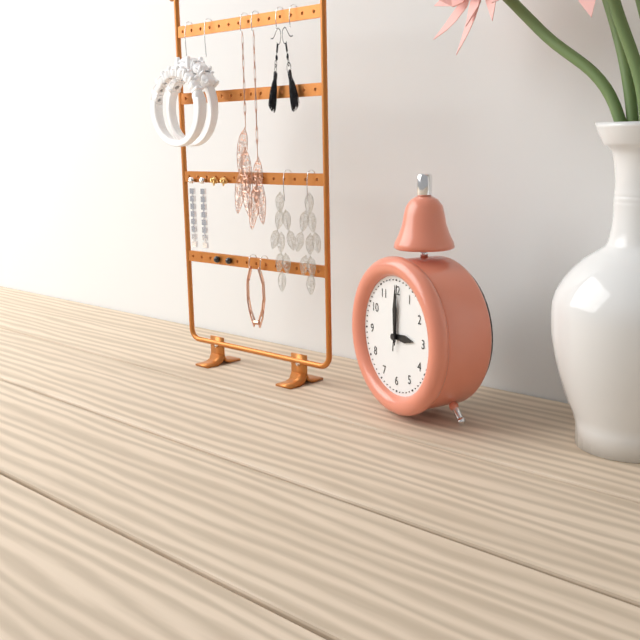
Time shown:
**3:00:01**
